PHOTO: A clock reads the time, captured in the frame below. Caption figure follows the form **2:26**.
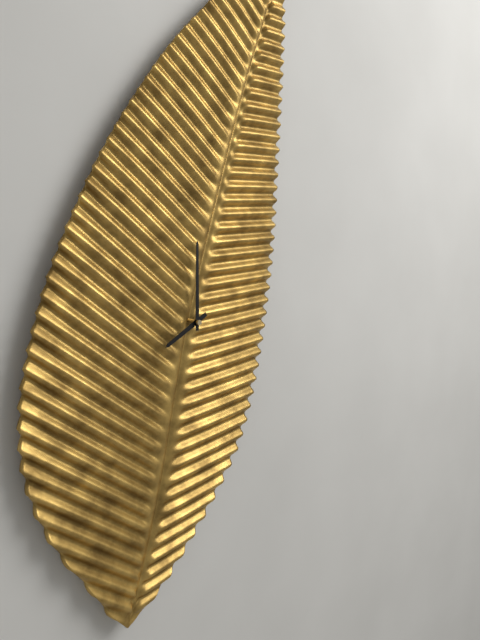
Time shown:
**8:00**
